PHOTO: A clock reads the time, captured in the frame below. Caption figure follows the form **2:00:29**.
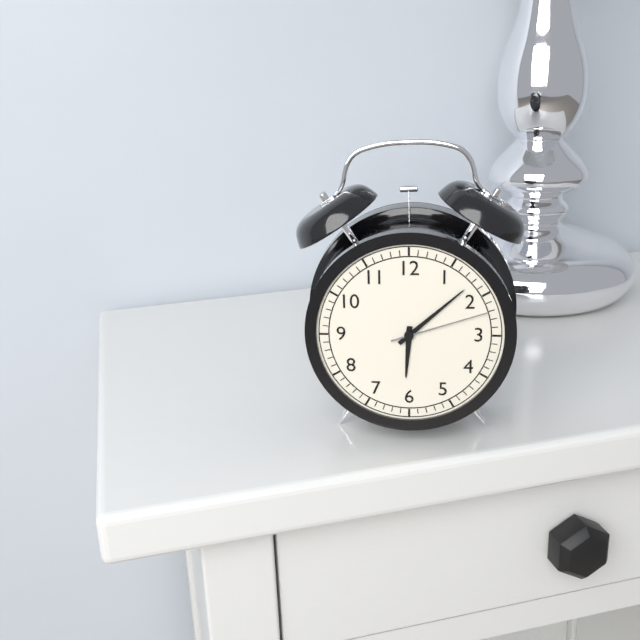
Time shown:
**6:08:12**
